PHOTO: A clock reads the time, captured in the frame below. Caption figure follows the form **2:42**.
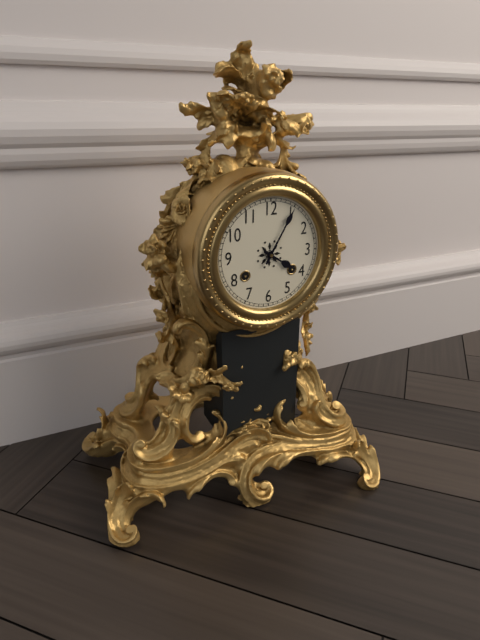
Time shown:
**4:05**
